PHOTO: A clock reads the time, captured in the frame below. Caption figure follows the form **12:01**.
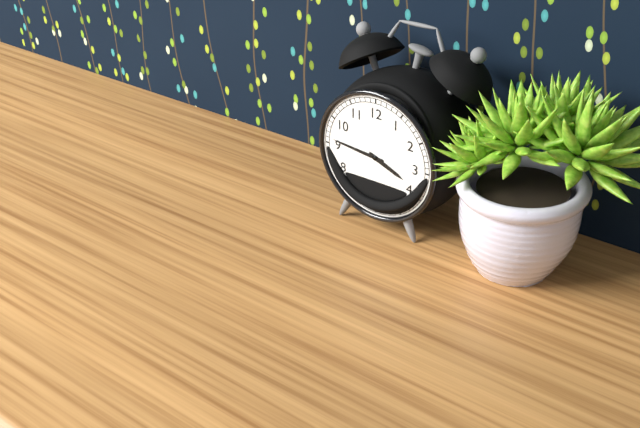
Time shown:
**3:46**
